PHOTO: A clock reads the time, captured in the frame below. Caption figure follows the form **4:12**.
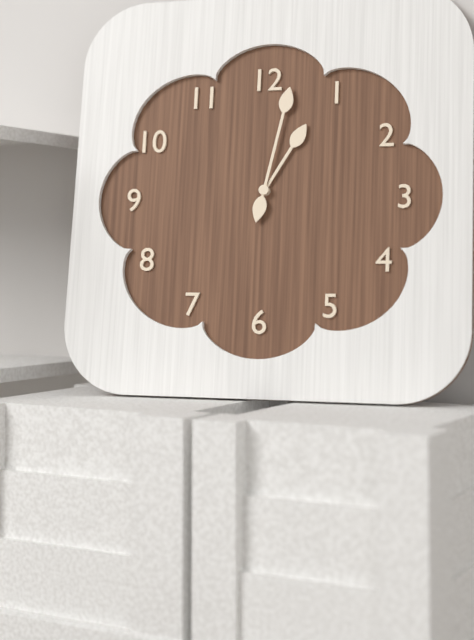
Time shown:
**1:02**
